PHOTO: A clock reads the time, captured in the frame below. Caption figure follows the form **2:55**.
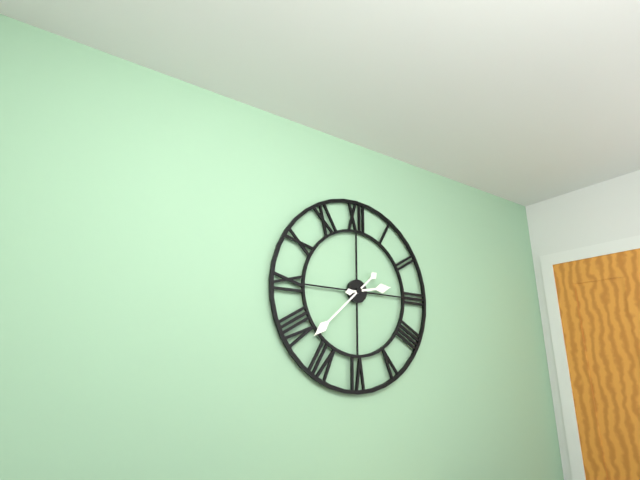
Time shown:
**2:38**
